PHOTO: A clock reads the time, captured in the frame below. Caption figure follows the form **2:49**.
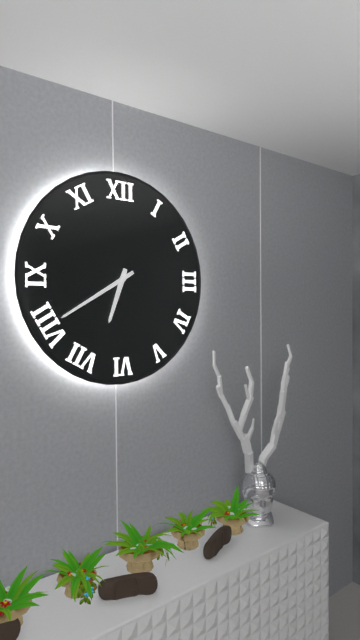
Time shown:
**6:40**
